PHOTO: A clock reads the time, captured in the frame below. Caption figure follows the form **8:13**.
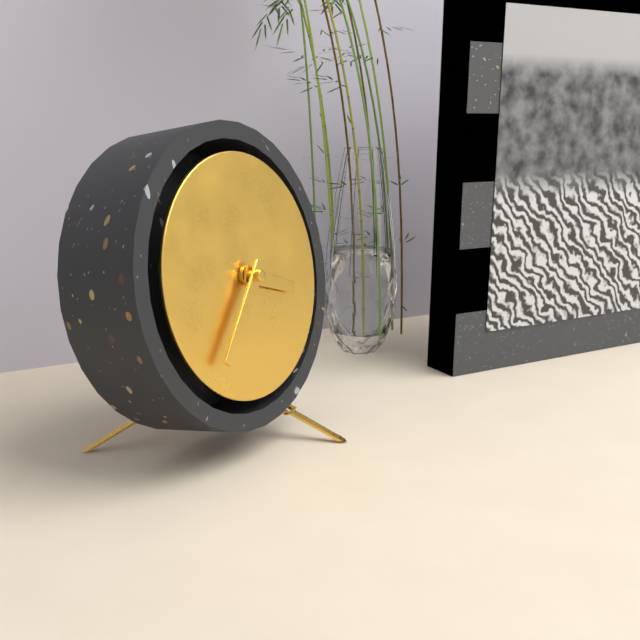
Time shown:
**3:37**
